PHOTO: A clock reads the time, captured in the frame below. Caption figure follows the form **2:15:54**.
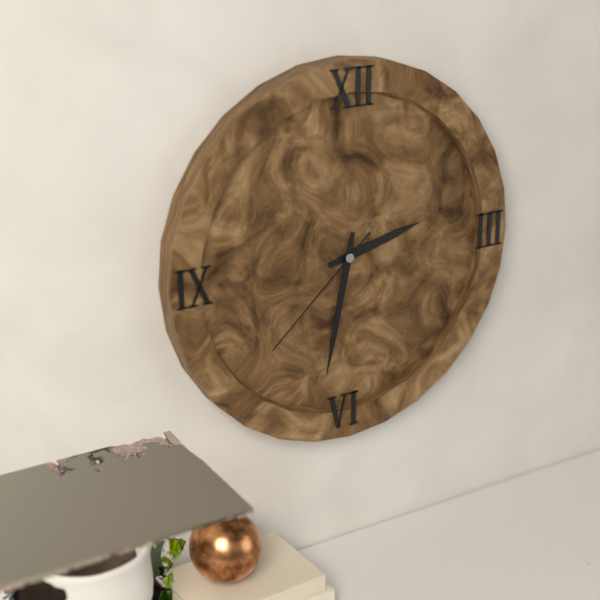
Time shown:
**2:32:38**
